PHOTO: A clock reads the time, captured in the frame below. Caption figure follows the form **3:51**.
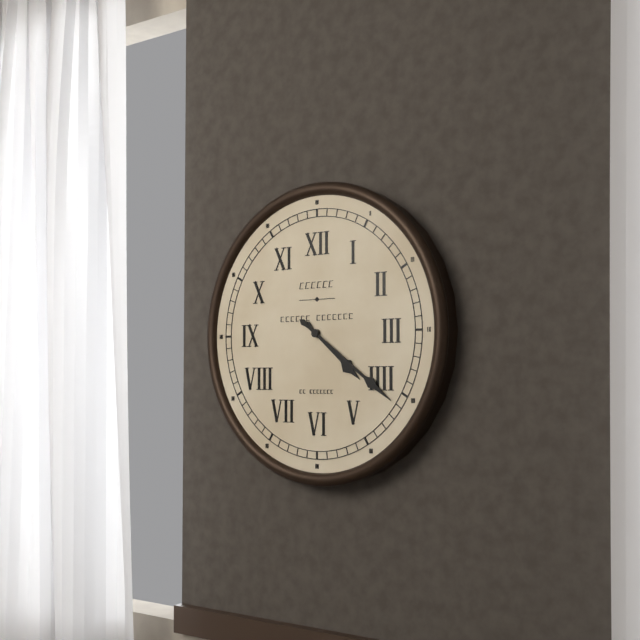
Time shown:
**4:21**
